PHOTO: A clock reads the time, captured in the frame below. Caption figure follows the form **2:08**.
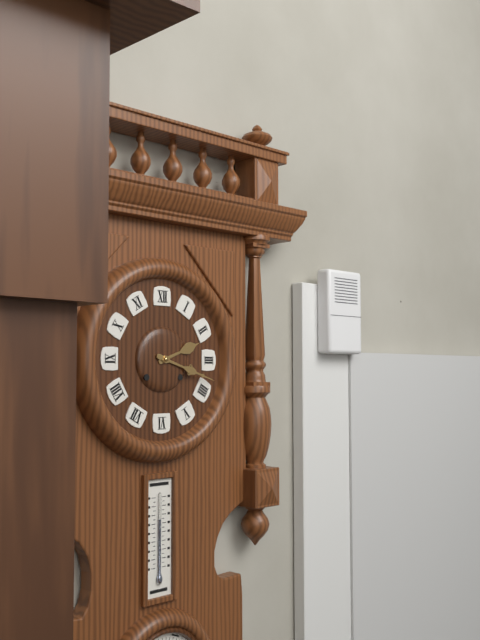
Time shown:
**2:18**
